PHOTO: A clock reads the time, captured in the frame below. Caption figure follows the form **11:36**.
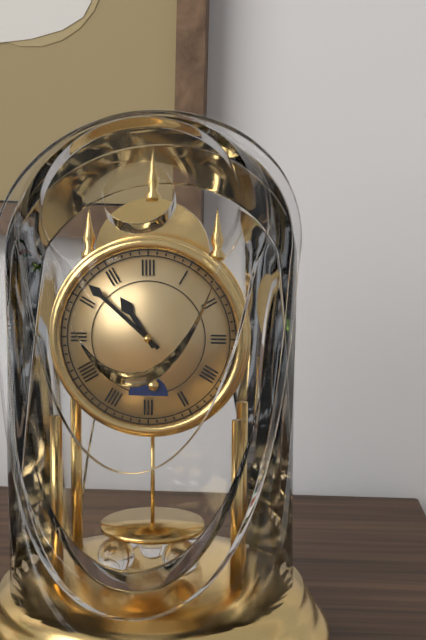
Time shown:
**10:52**
